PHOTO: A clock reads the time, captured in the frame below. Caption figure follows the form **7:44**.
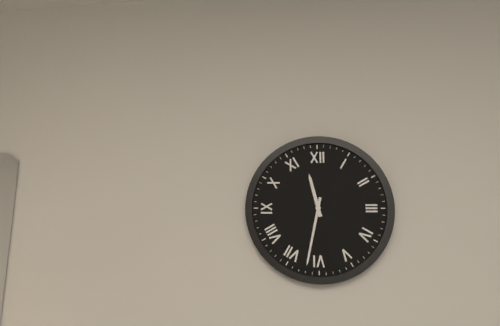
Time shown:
**11:32**
